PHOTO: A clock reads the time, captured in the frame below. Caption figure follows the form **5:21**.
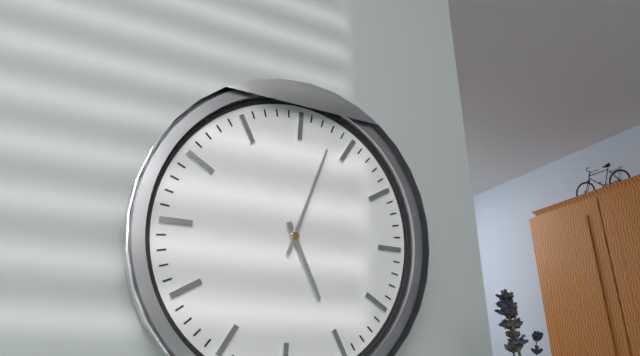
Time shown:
**5:03**
